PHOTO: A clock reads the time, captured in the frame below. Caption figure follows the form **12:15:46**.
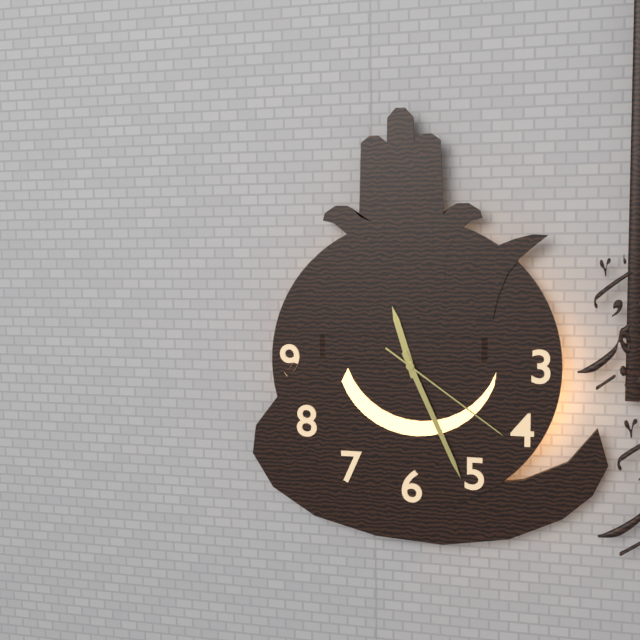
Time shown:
**11:26:21**
